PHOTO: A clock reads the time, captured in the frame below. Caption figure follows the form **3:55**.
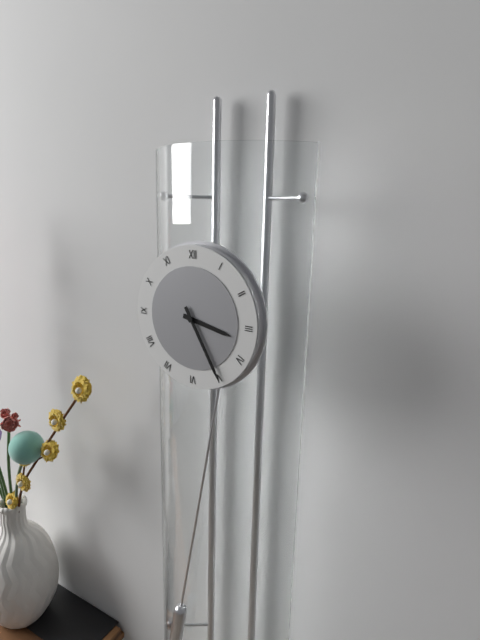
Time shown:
**3:25**
